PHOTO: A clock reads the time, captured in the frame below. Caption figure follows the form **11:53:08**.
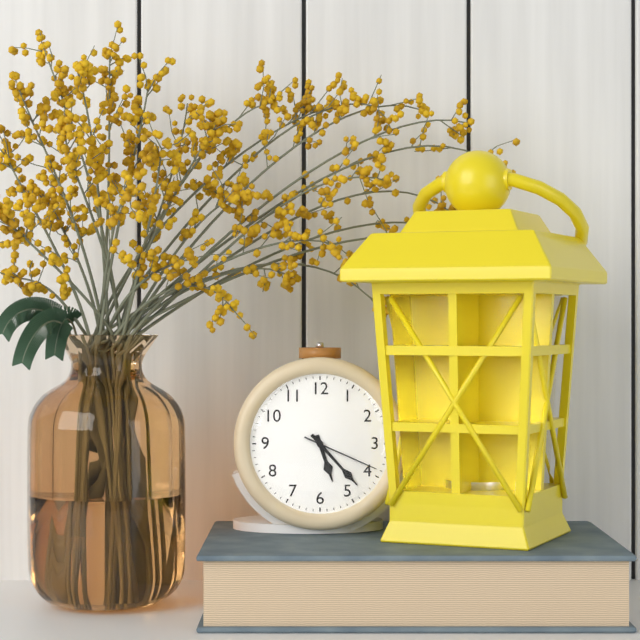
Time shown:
**5:23:19**
